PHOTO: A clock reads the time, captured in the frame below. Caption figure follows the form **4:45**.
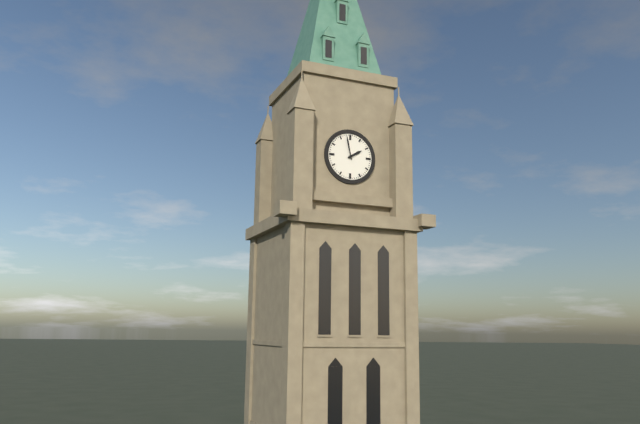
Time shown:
**1:58**
